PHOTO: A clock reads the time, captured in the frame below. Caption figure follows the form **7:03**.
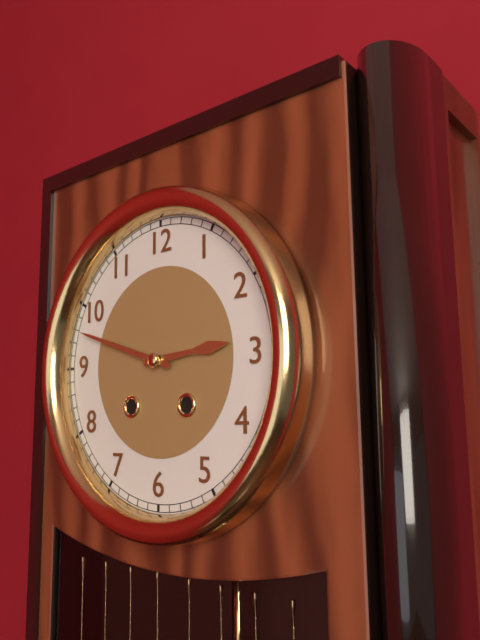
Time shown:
**2:48**
